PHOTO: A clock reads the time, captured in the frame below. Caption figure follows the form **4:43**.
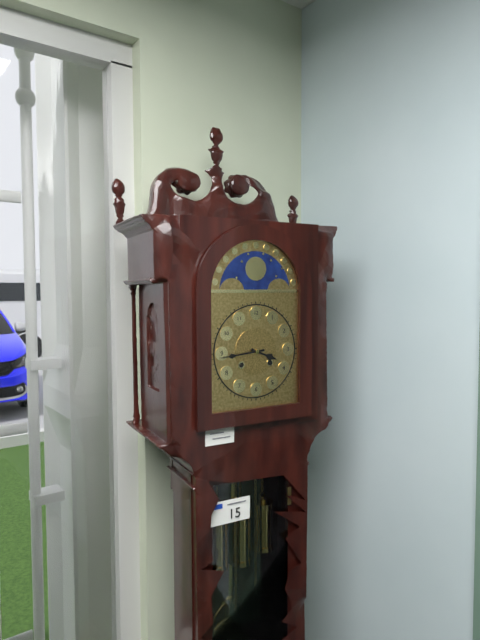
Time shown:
**3:44**
